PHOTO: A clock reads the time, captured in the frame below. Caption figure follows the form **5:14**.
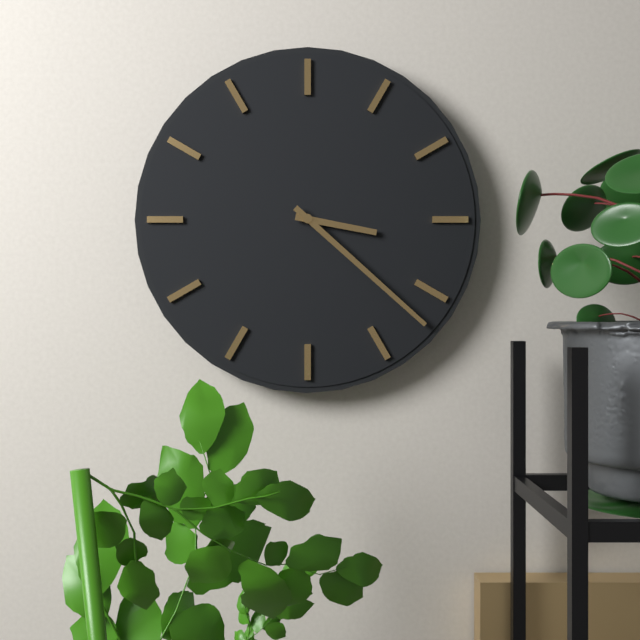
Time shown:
**3:22**
